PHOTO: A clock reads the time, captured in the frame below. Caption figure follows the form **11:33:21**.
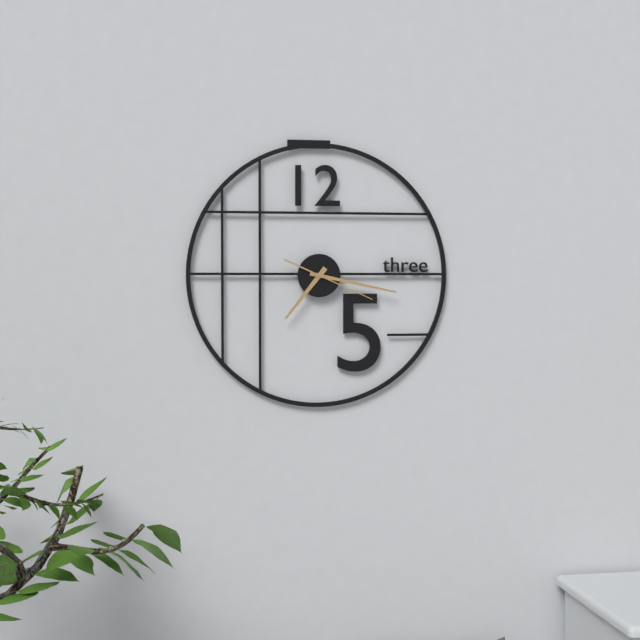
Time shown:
**7:17:19**
